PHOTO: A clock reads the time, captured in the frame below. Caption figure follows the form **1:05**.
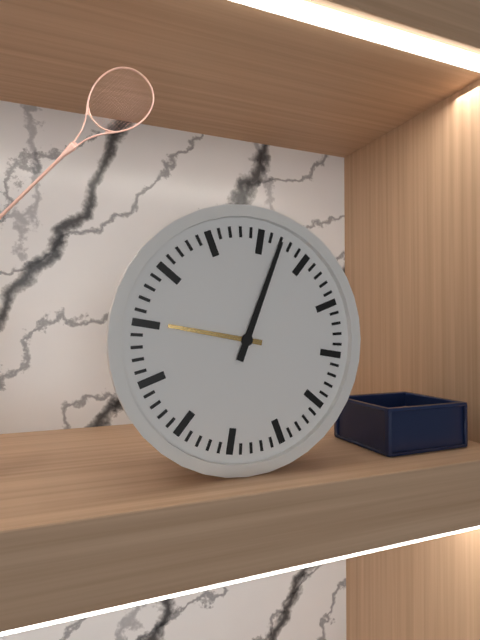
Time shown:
**9:02**
